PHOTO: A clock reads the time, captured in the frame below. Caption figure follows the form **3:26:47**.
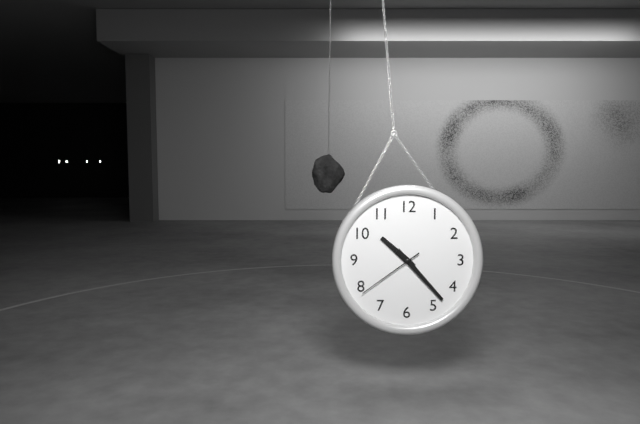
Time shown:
**10:23:39**
